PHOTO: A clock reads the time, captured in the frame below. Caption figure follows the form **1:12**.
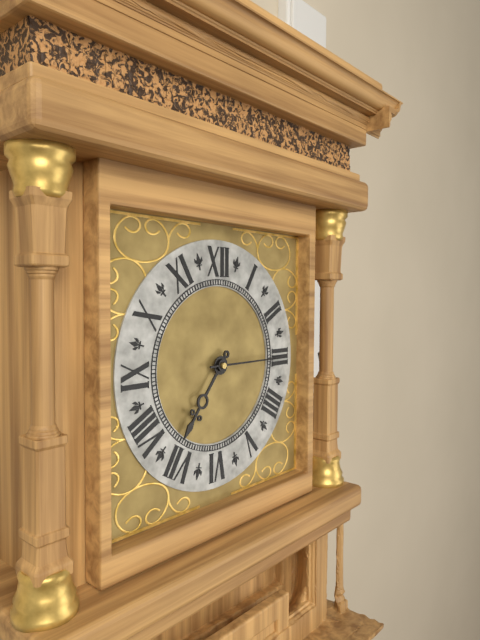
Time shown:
**7:15**
